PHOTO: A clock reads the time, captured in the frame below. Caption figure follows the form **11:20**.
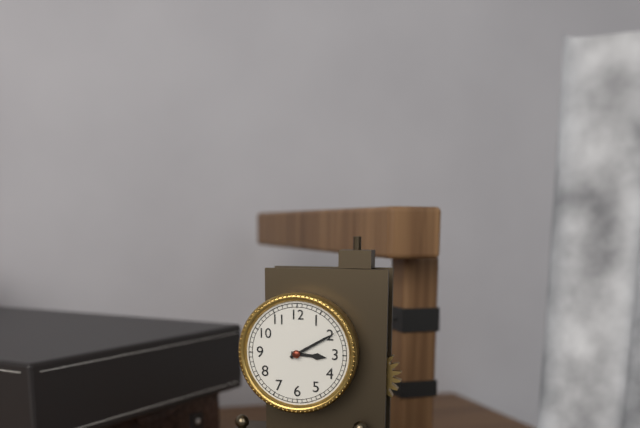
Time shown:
**3:10**
